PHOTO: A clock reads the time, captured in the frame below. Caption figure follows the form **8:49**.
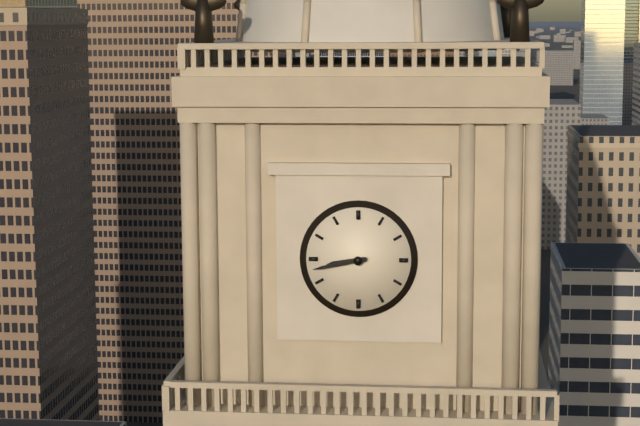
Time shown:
**8:43**
